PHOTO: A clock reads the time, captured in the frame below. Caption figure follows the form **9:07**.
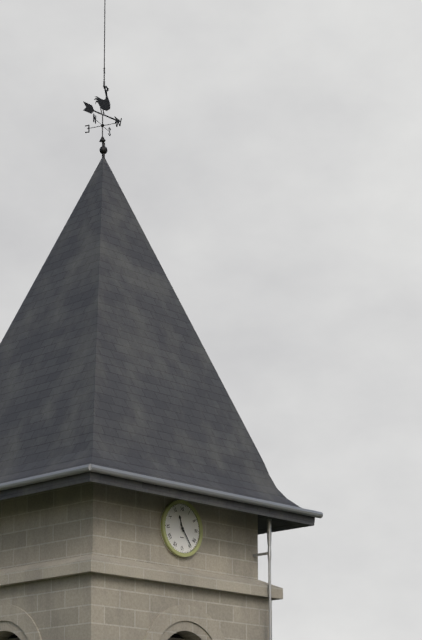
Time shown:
**11:24**
